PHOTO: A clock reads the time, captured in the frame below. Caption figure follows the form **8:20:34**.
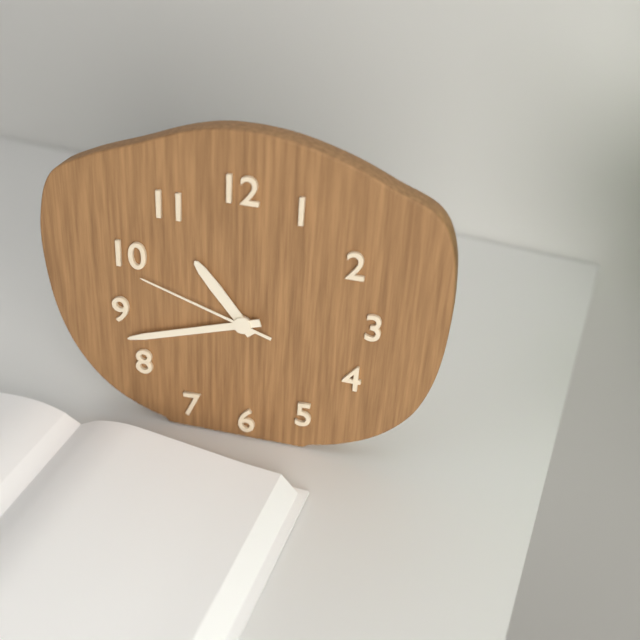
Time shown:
**10:42:48**
